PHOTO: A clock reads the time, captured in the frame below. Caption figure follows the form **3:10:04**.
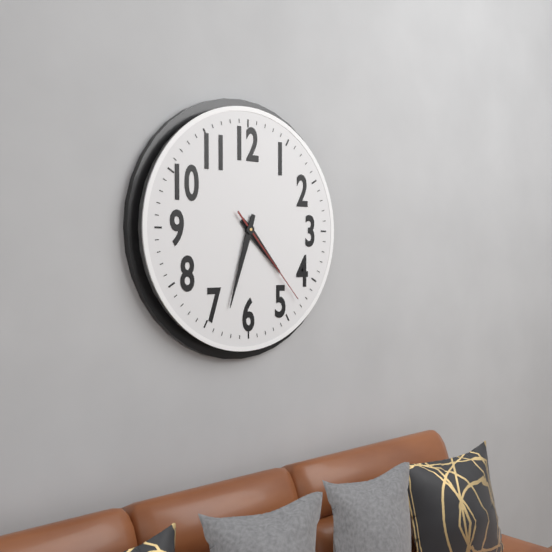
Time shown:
**4:33:23**
